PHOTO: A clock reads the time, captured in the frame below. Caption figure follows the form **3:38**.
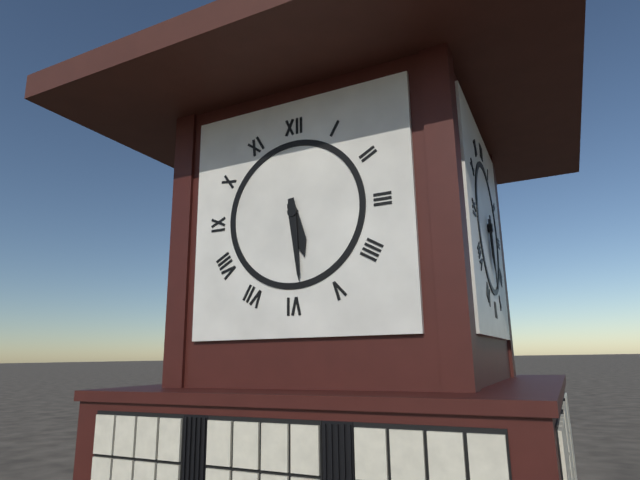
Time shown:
**5:29**
